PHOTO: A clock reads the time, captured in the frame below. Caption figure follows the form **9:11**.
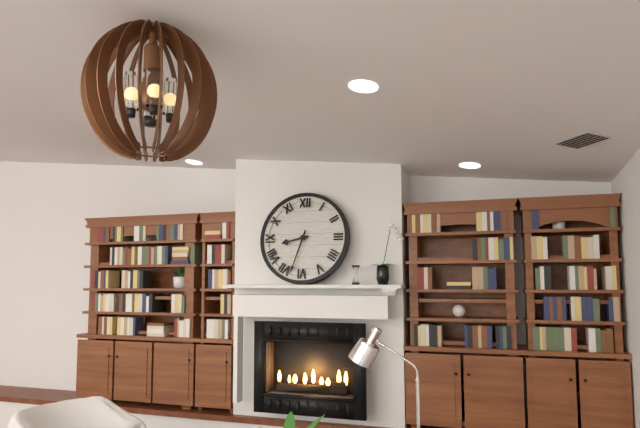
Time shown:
**8:33**
